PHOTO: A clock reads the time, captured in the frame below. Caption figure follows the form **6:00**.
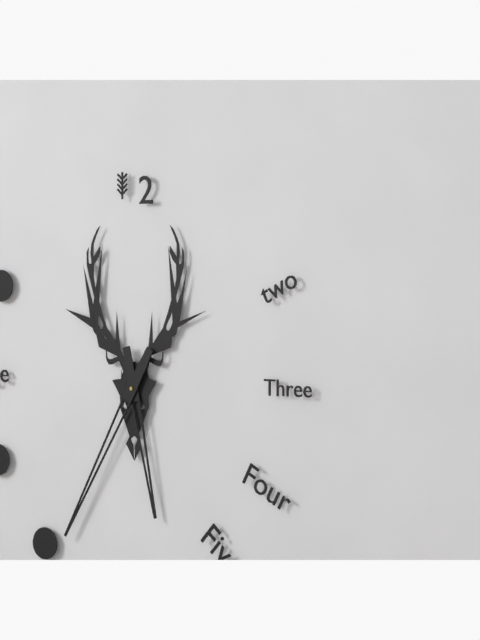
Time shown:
**5:35**
